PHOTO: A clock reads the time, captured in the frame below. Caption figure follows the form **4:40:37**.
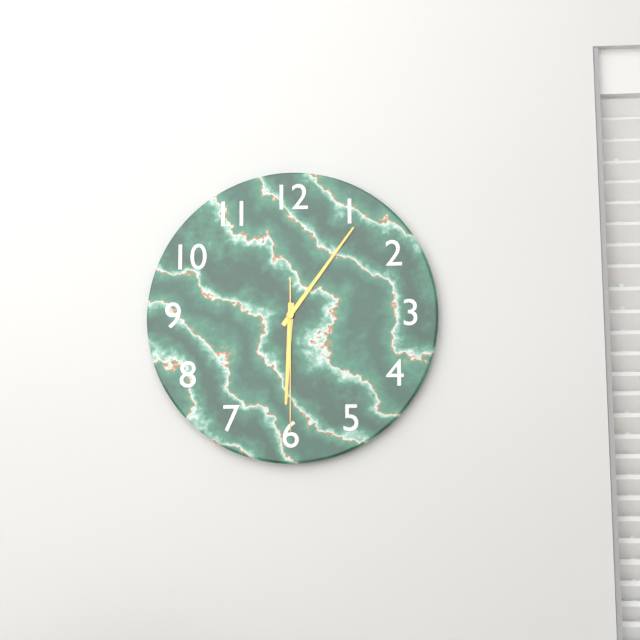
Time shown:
**6:06:30**
